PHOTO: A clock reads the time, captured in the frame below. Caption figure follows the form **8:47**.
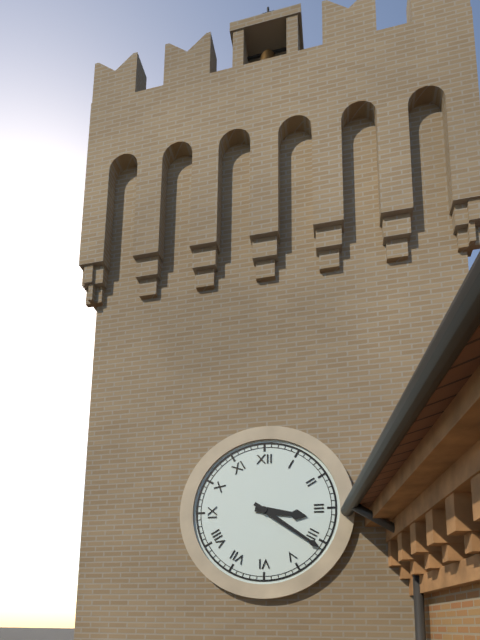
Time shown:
**3:21**
